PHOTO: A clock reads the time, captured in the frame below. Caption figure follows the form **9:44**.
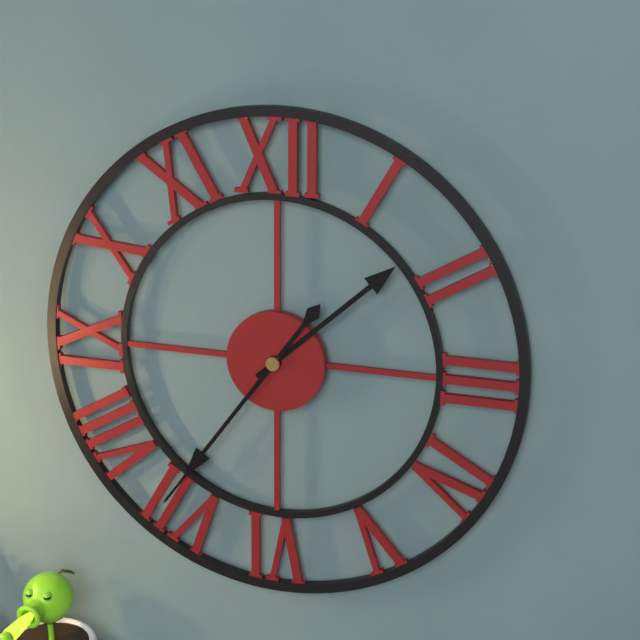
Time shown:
**1:36**
